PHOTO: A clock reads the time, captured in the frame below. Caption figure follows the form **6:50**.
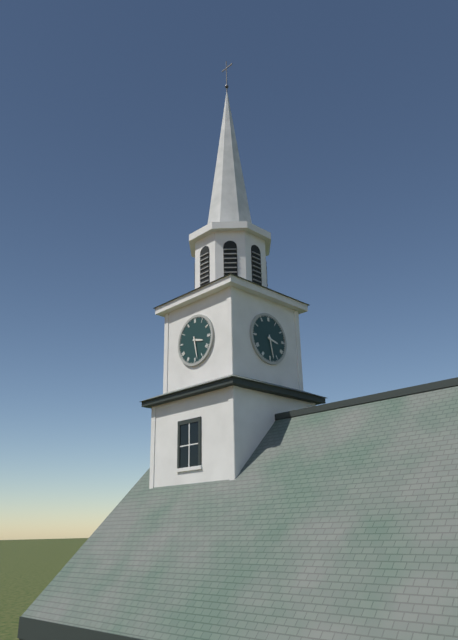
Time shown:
**3:28**
